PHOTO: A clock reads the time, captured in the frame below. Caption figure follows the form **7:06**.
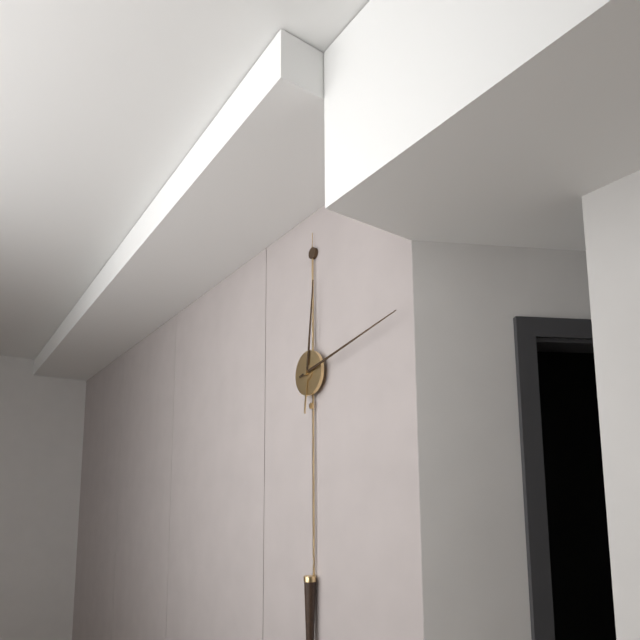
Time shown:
**12:13**
